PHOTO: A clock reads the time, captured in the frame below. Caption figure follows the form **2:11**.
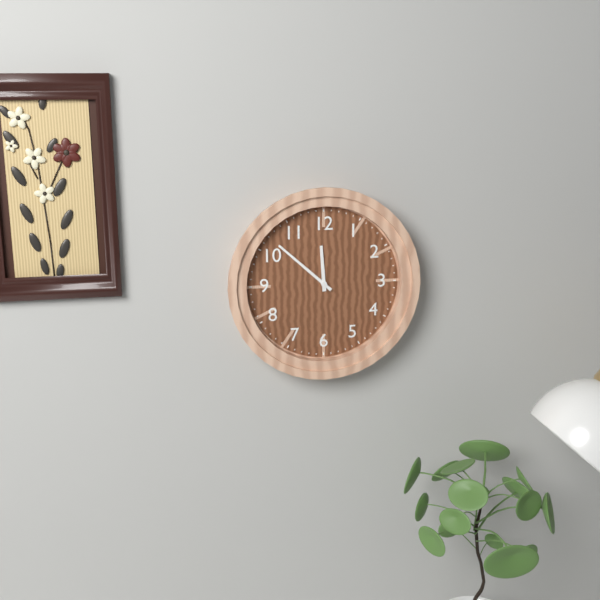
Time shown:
**11:52**
